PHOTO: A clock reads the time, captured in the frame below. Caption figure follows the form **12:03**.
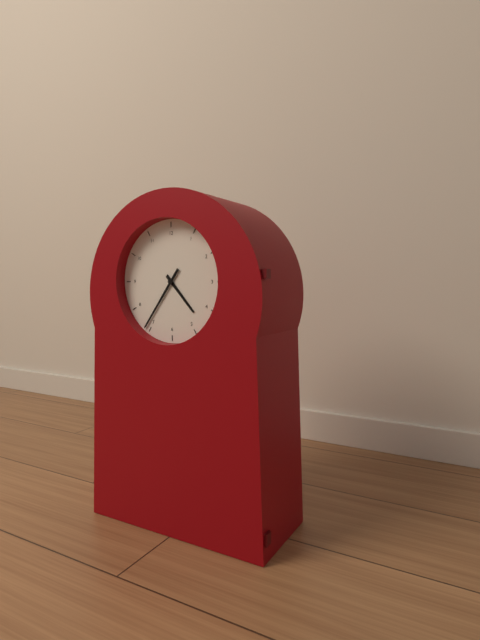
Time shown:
**4:36**
